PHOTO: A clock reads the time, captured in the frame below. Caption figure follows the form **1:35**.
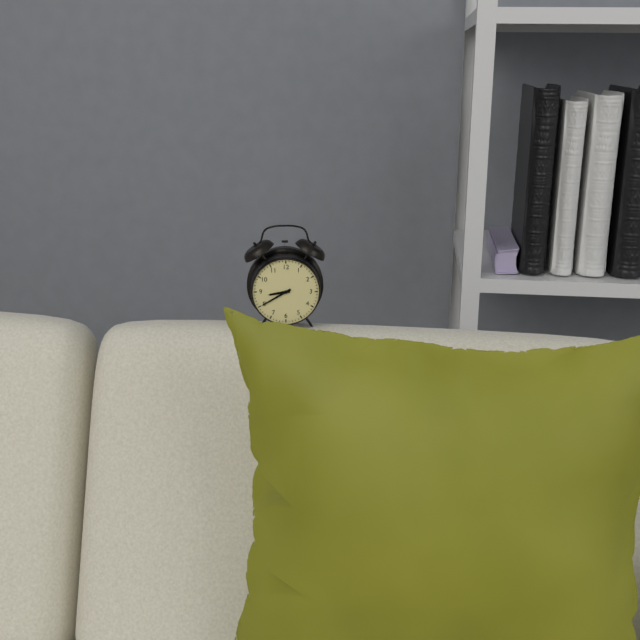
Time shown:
**8:40**
